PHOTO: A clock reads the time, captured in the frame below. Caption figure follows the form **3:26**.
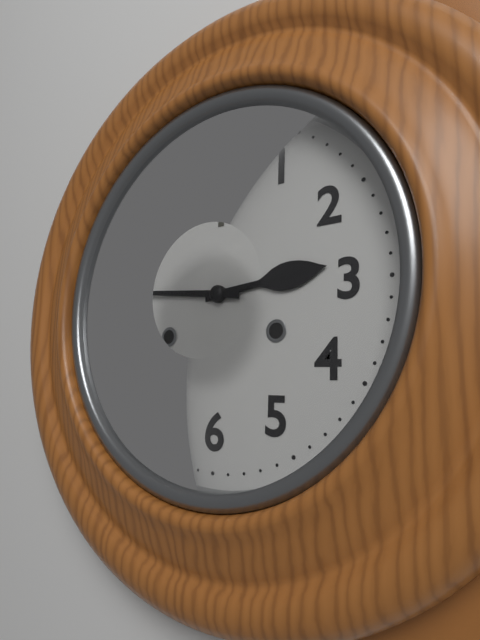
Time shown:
**2:46**
